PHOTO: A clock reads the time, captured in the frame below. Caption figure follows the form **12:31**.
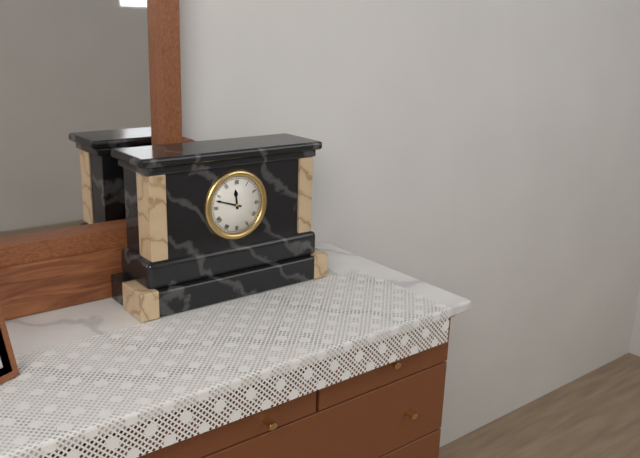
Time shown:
**11:48**
